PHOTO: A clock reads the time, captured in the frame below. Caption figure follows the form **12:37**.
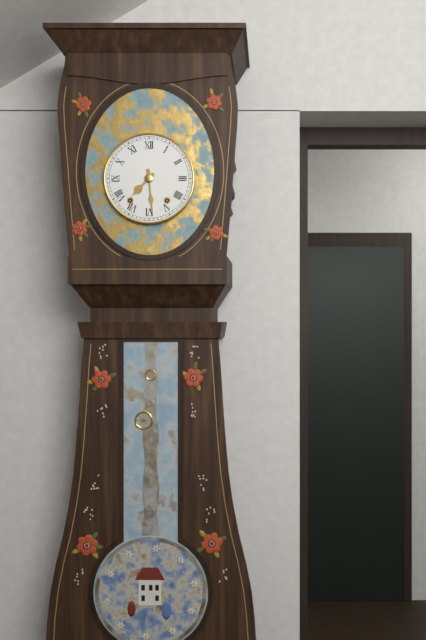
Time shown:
**7:29**
